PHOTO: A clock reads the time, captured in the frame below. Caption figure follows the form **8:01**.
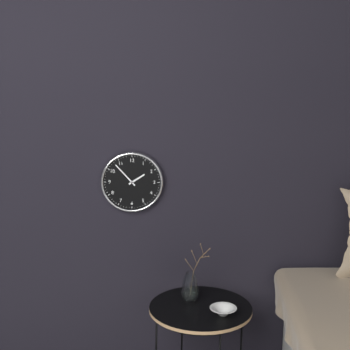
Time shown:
**1:53**
